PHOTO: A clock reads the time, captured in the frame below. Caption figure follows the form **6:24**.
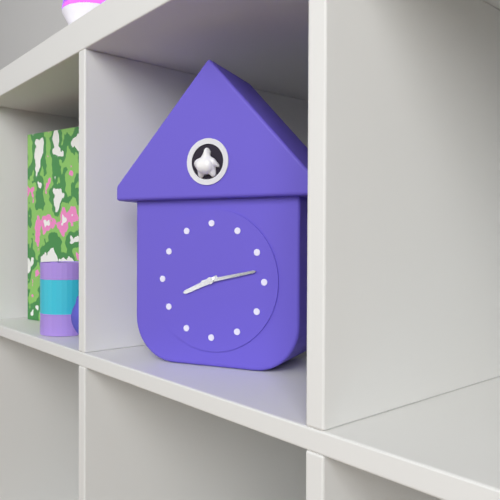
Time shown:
**8:13**
